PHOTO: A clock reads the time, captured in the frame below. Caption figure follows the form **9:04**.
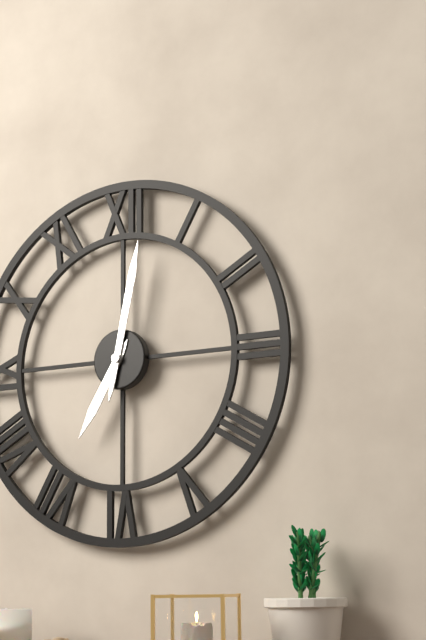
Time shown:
**7:02**
